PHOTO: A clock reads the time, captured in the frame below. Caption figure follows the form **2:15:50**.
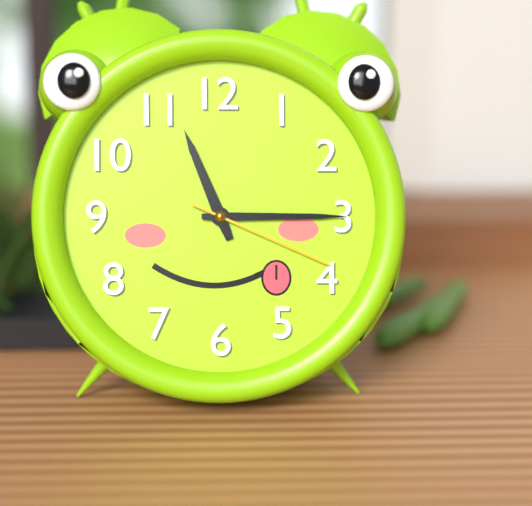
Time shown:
**11:15:19**
